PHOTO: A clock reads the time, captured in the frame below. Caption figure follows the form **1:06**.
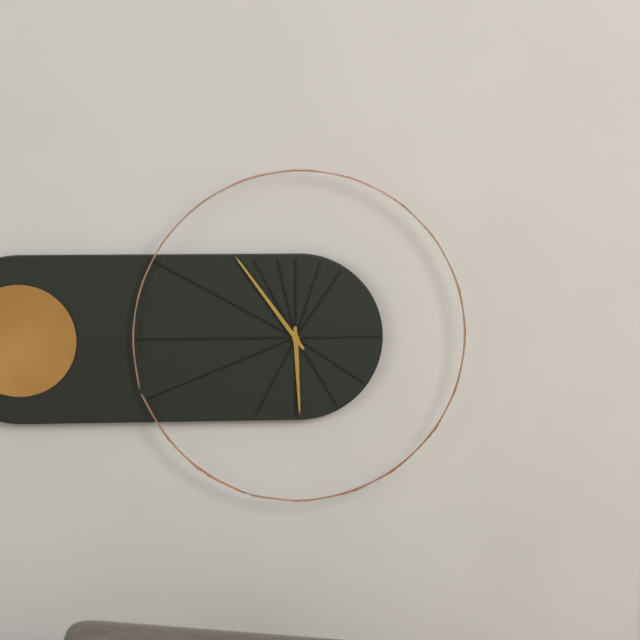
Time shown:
**5:54**
